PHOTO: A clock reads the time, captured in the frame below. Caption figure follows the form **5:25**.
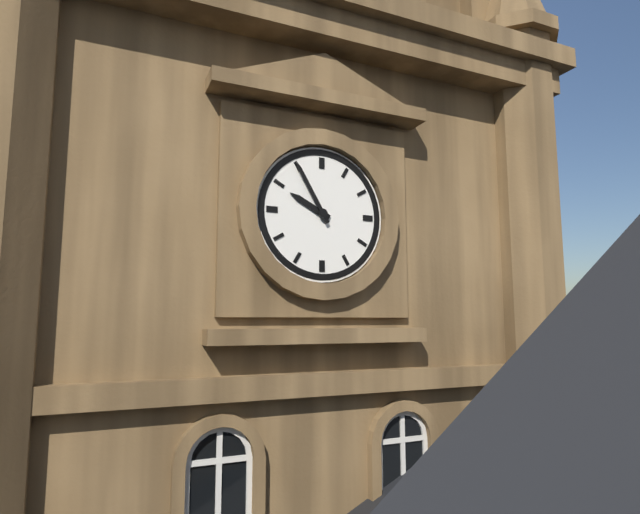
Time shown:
**9:55**
